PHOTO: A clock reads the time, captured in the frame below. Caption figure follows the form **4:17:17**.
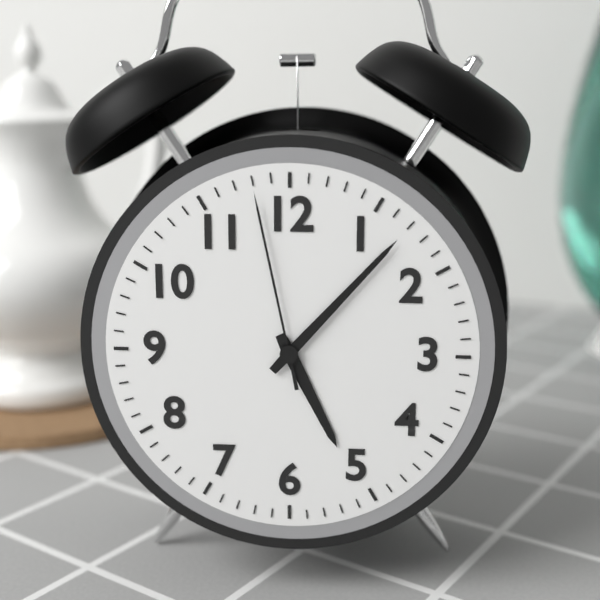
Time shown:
**5:07:58**
